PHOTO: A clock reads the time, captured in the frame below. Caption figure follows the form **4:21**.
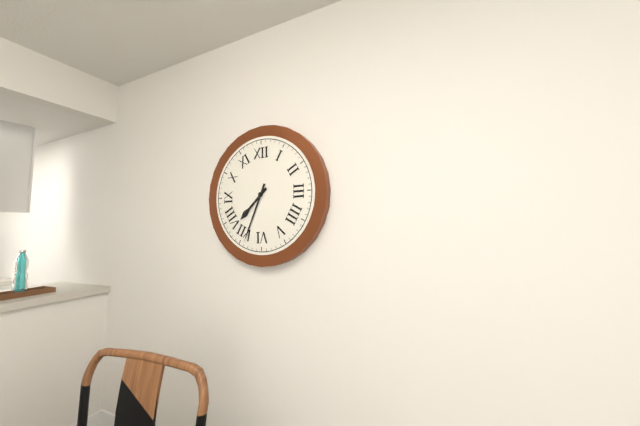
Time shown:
**7:34**
